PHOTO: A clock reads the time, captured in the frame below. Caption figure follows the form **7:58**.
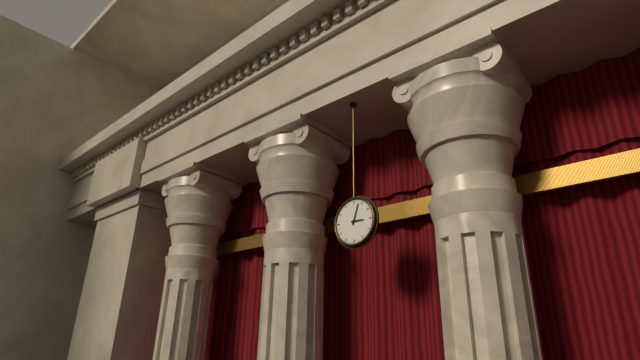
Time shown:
**3:03**
